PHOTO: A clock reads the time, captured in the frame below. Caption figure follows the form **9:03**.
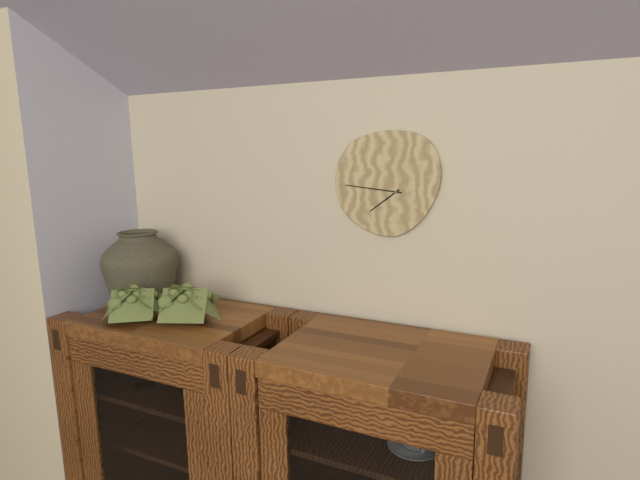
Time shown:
**7:46**
